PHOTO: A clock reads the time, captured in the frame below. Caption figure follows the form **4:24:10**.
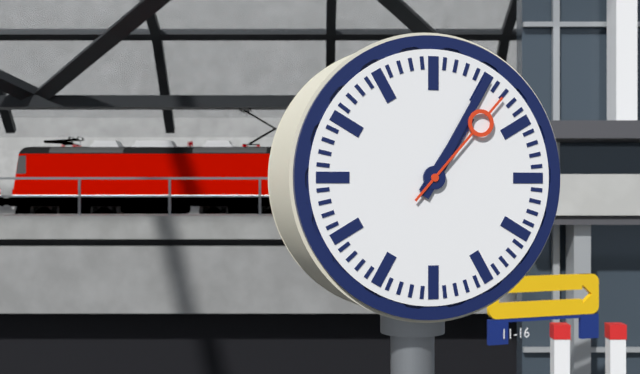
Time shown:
**1:05:07**
